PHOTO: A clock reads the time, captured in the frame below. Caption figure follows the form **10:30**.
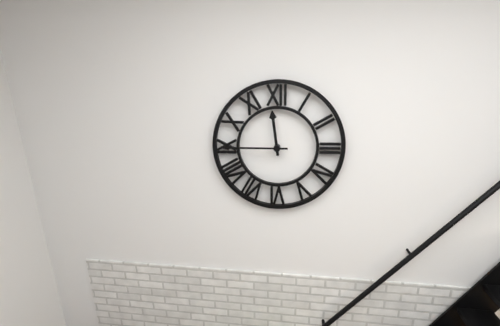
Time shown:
**11:45**
